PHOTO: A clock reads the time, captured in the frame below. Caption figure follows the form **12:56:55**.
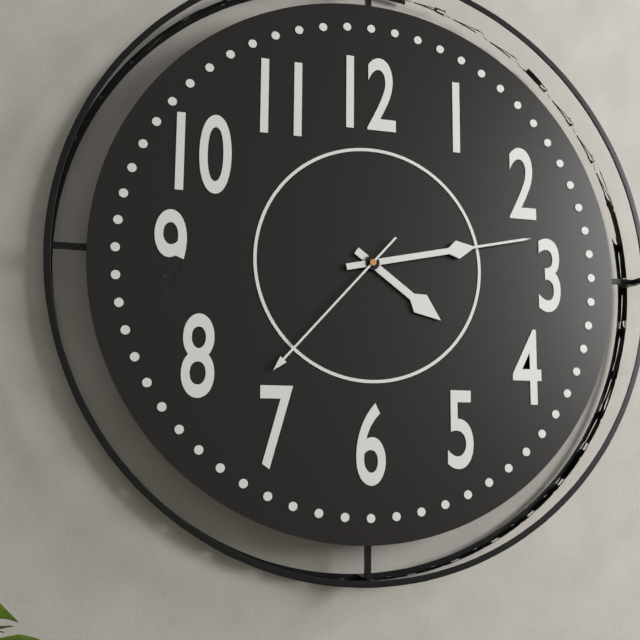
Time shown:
**4:13:37**
